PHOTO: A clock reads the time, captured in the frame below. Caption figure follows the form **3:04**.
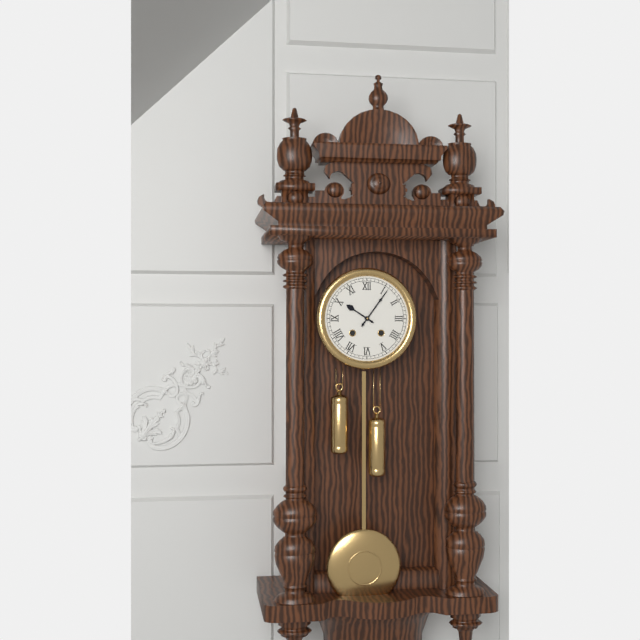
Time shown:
**10:06**
